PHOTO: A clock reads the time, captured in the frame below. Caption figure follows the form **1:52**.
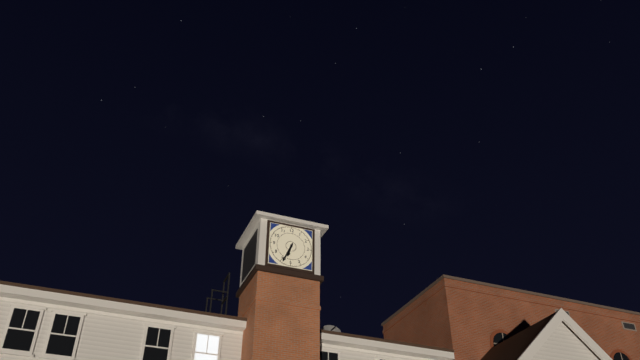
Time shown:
**6:34**
